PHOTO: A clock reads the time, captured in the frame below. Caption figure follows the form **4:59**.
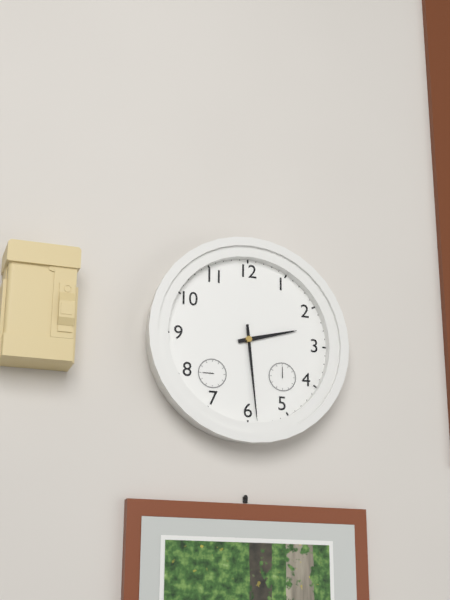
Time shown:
**2:29**
